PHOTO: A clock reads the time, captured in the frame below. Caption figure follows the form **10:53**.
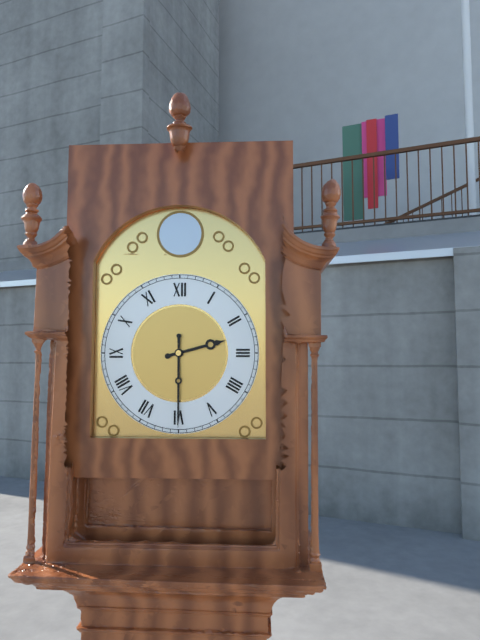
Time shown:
**2:30**
